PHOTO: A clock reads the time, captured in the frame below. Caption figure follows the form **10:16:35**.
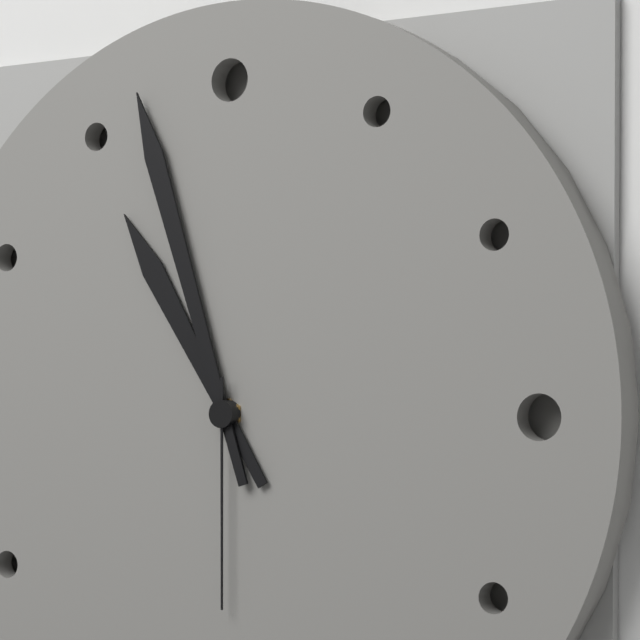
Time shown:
**10:57:30**
